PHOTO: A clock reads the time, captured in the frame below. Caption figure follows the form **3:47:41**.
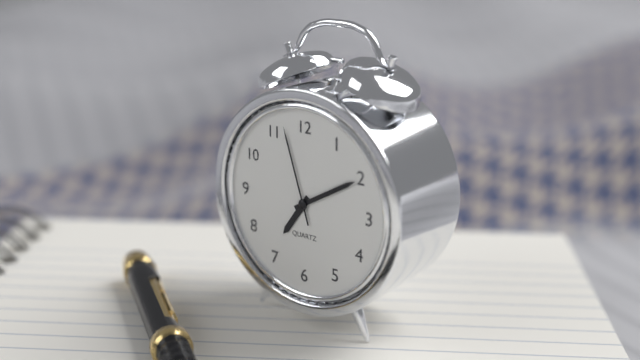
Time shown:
**7:10:57**
